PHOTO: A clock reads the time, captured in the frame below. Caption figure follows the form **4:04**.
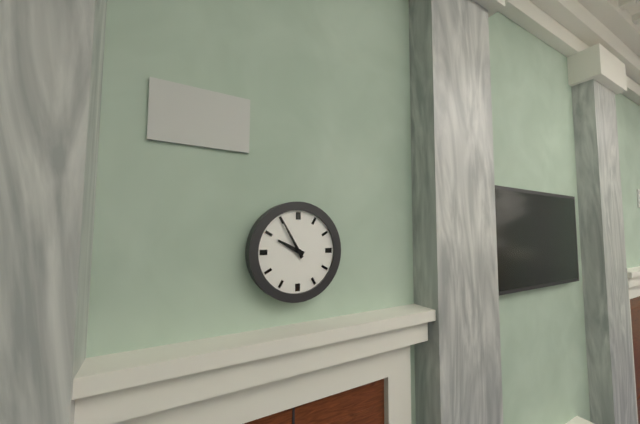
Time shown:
**9:55**
